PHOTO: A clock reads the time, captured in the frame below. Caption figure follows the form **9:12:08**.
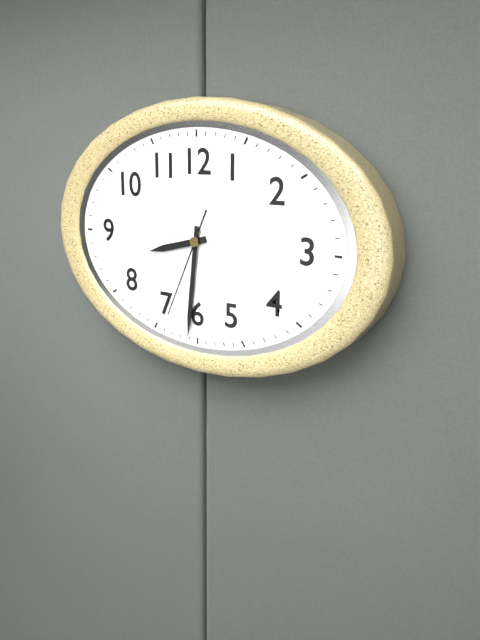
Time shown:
**8:31:34**
